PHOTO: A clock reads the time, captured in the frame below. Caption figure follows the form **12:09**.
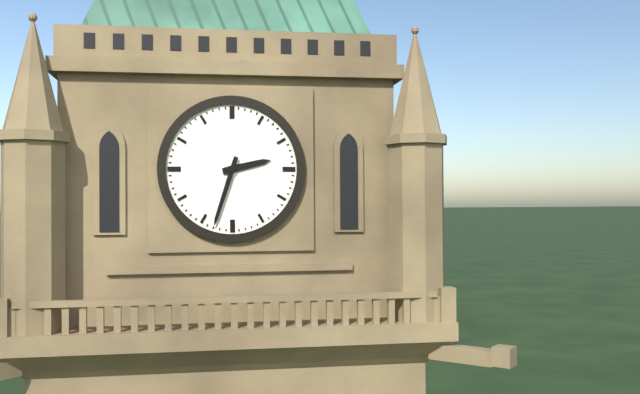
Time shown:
**2:33**
